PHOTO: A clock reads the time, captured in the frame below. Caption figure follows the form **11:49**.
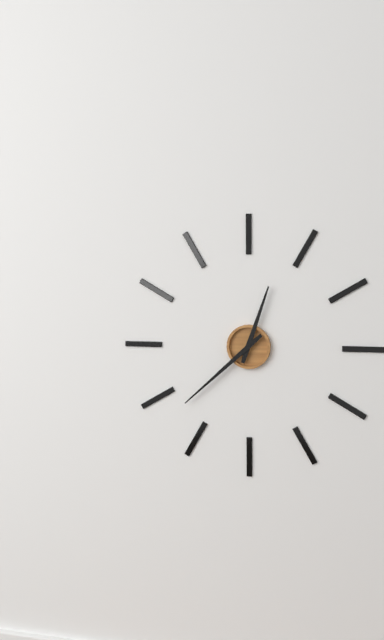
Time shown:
**12:38**
